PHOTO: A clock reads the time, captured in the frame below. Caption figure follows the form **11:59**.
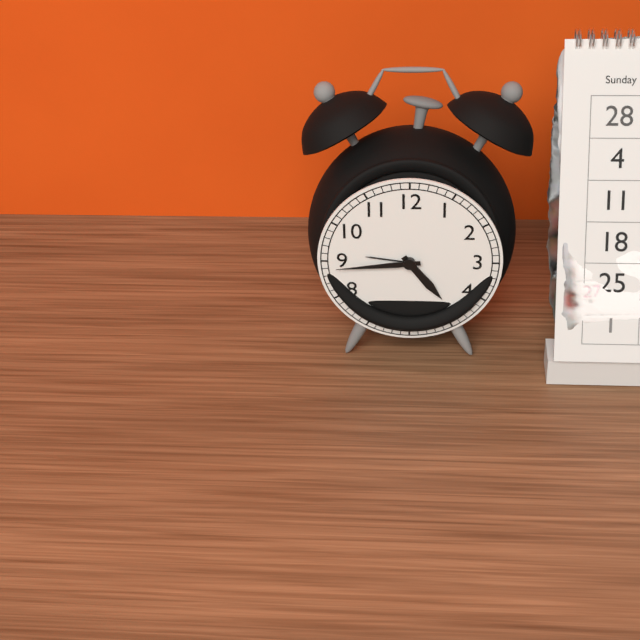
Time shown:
**4:44**
